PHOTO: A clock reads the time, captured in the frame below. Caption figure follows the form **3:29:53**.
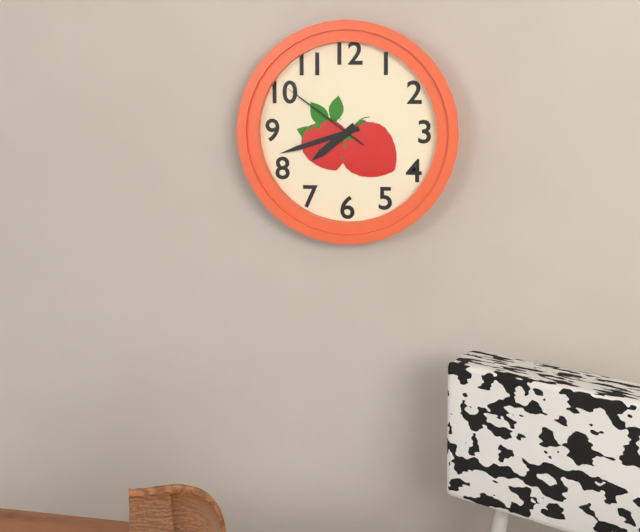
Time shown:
**7:42:51**
